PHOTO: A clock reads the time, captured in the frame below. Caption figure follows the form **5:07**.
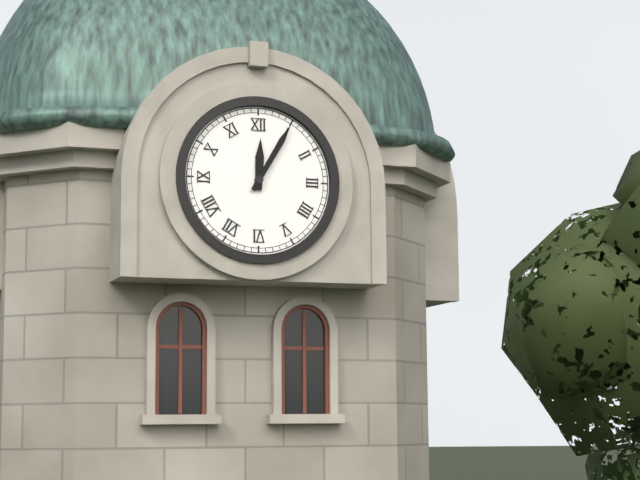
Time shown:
**12:05**
